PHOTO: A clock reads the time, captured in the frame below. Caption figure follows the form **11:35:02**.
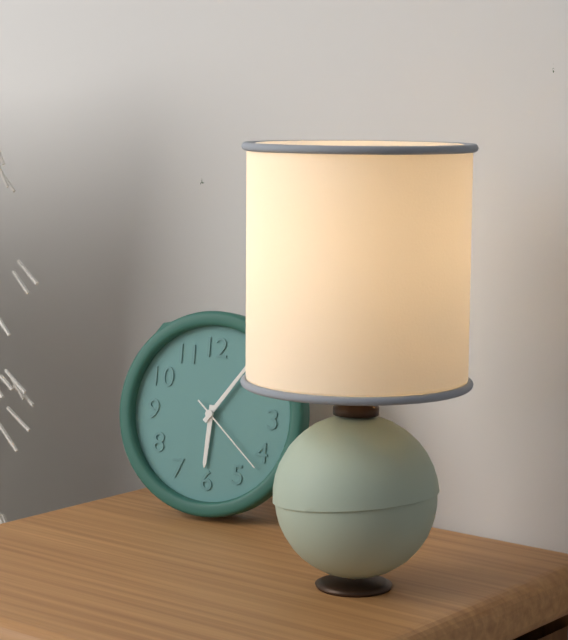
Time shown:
**6:06:22**
